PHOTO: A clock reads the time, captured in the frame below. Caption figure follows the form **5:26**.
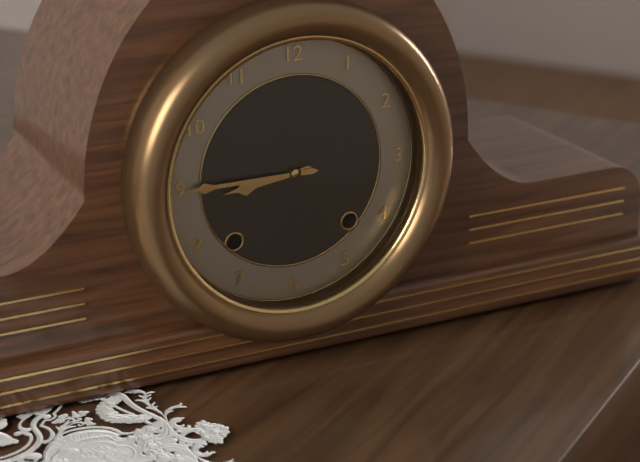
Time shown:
**8:45**
